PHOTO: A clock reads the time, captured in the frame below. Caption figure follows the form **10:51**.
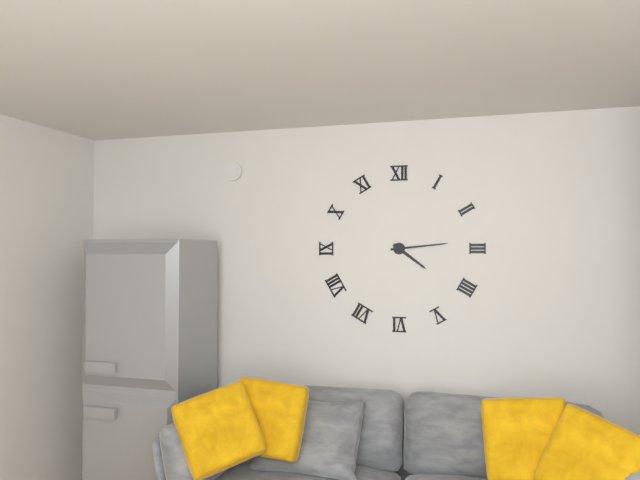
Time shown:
**4:14**
